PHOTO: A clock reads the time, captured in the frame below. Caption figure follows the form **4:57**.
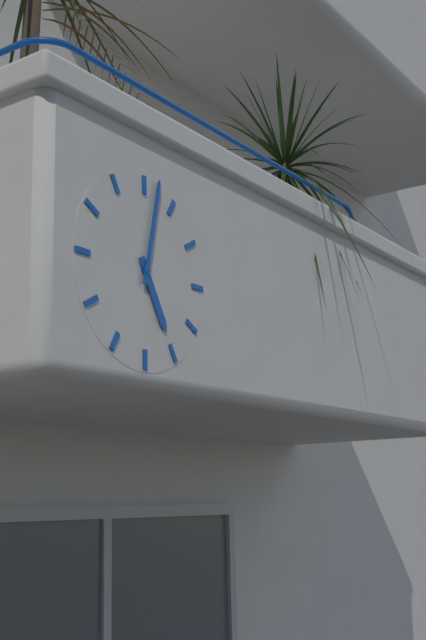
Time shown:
**5:02**
